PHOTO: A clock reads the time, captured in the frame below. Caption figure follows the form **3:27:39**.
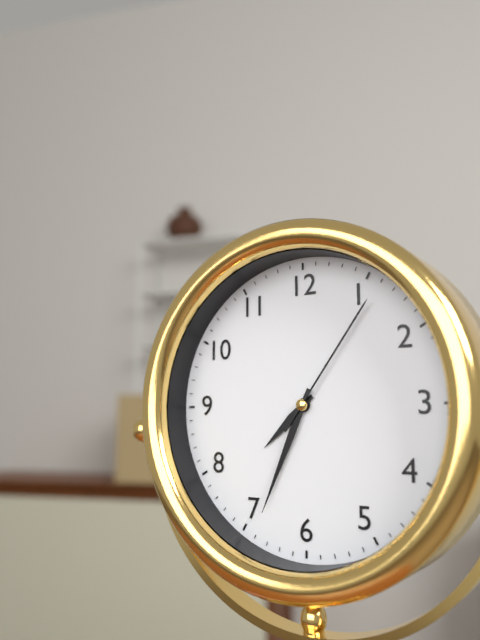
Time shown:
**7:34:06**
